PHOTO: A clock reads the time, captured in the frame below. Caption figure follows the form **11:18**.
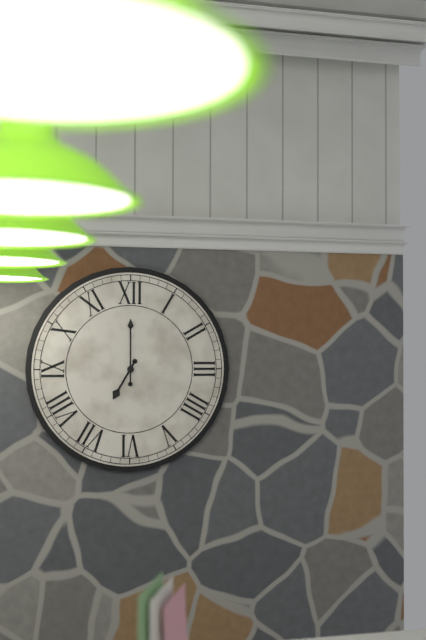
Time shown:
**7:00**
